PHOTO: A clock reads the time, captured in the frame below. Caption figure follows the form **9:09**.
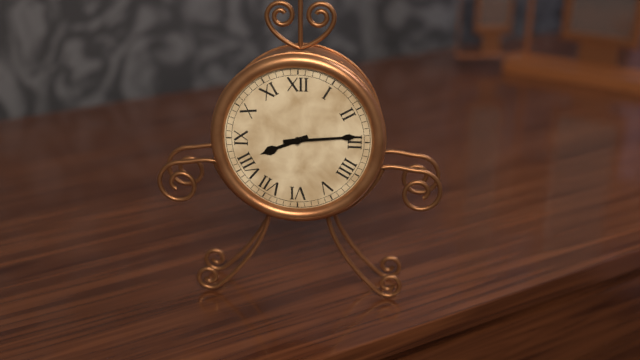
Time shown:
**8:14**
